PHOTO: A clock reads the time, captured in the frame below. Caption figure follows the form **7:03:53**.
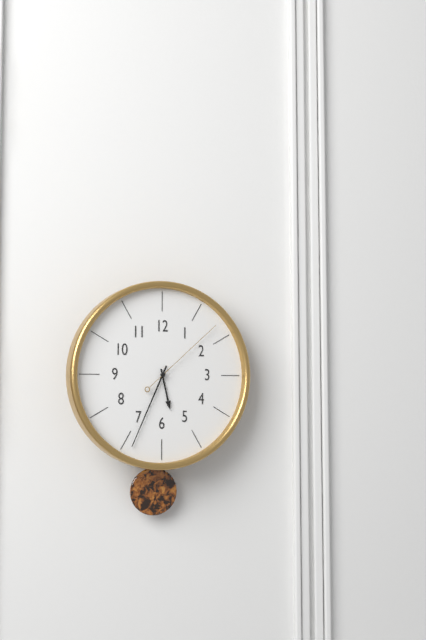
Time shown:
**5:34:08**
